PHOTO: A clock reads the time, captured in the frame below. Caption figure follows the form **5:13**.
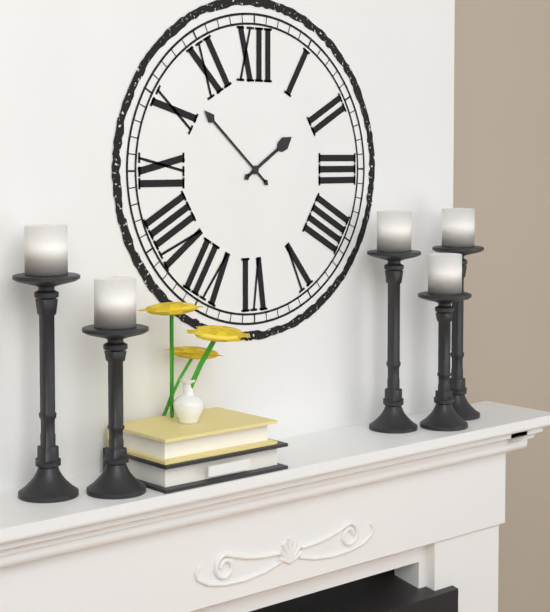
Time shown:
**1:52**
